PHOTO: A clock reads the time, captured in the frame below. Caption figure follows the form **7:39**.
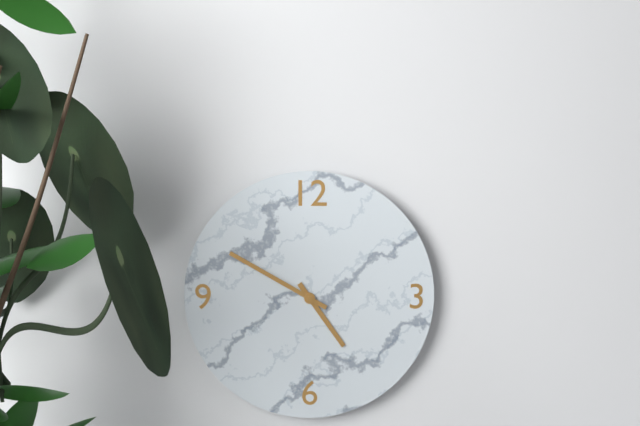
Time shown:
**4:50**
